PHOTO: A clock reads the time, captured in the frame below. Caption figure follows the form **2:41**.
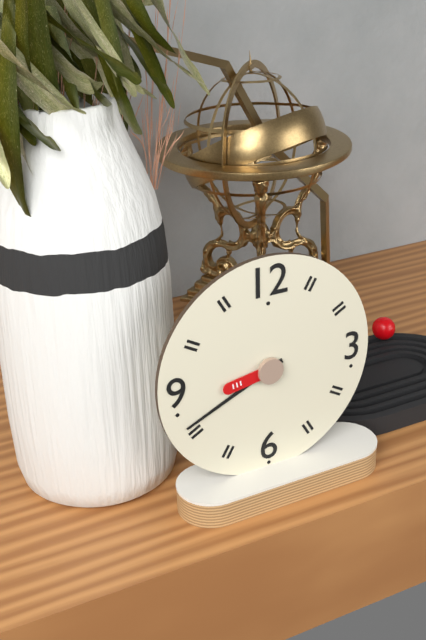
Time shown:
**8:41**
